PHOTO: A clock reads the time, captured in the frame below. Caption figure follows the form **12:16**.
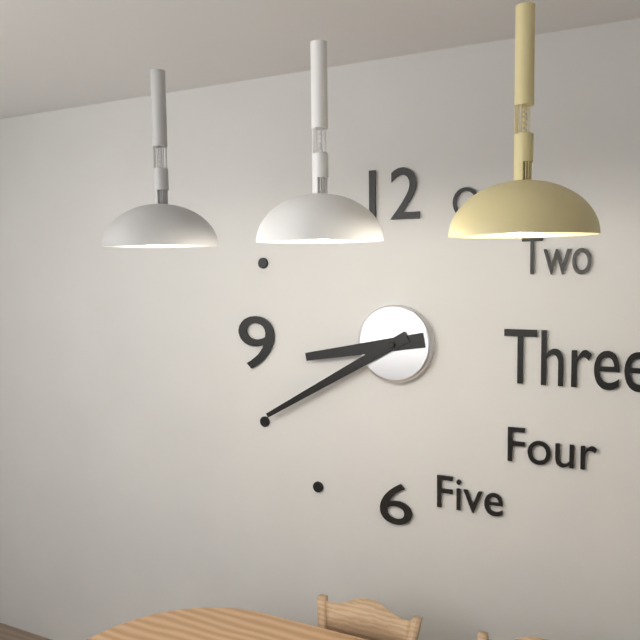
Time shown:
**8:40**
